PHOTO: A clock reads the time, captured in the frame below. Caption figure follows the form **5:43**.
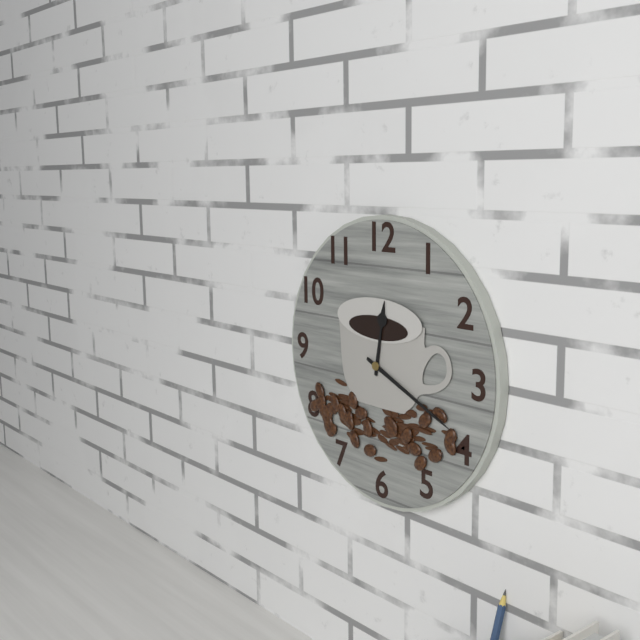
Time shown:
**12:19**
